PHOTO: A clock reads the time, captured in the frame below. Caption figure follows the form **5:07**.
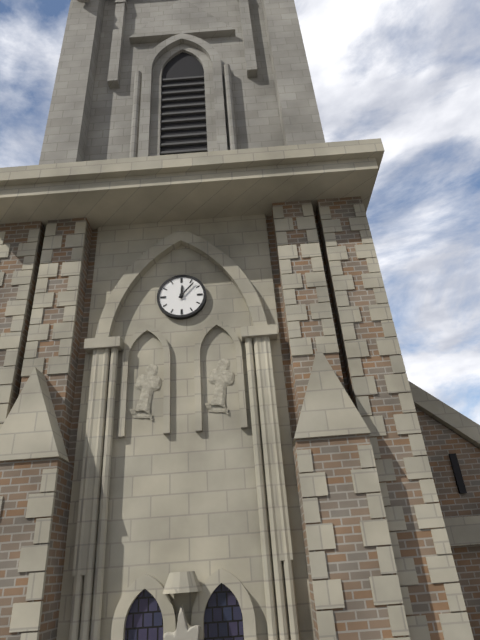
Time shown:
**12:07**
